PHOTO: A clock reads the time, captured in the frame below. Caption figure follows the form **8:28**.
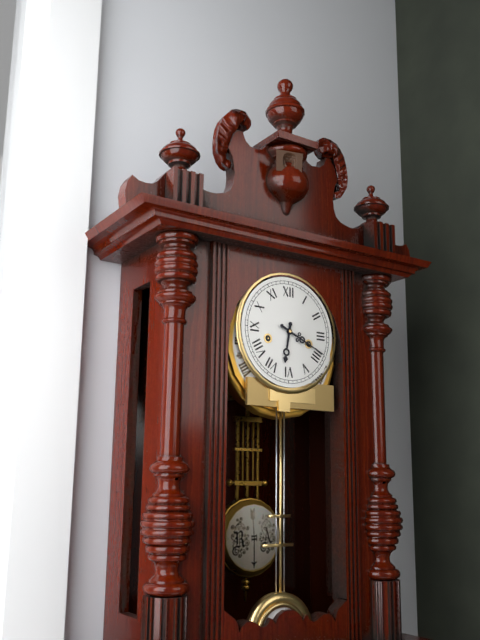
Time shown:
**6:19**
